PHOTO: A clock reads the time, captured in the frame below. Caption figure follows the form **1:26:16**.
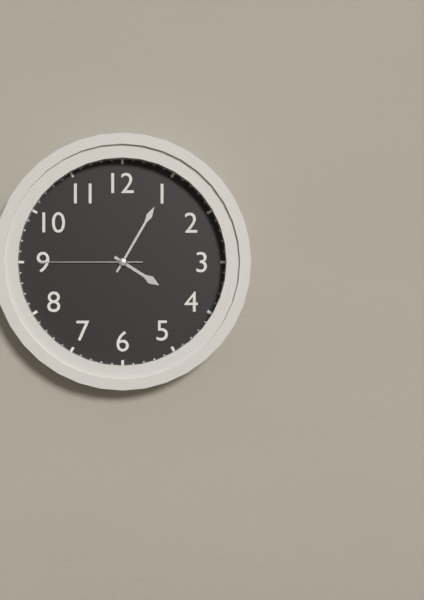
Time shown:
**4:05:45**
